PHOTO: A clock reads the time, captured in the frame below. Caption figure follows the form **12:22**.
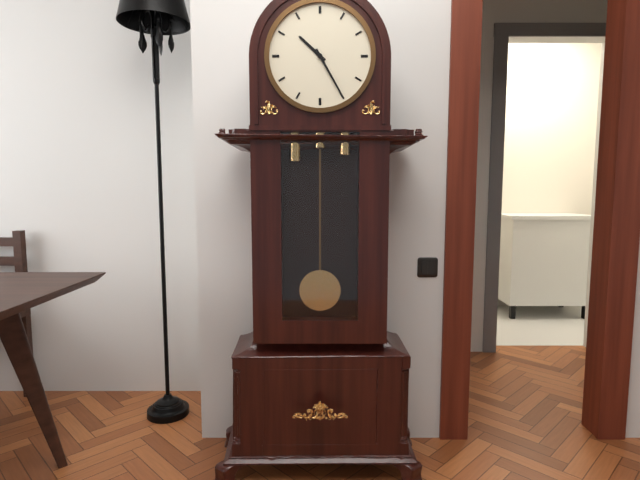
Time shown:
**10:25**
